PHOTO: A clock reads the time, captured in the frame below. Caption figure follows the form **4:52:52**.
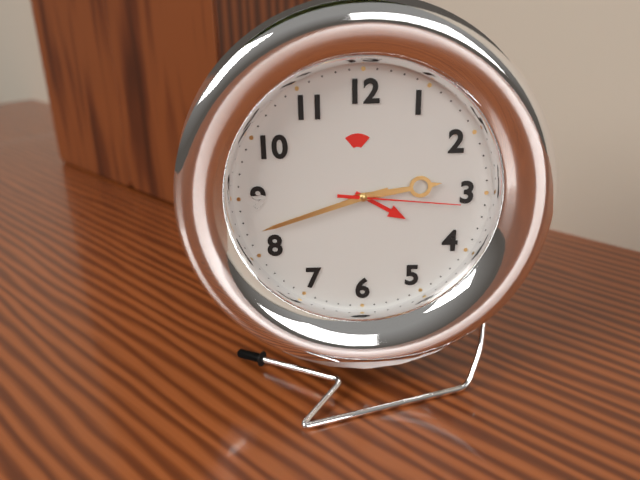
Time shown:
**2:42:16**
